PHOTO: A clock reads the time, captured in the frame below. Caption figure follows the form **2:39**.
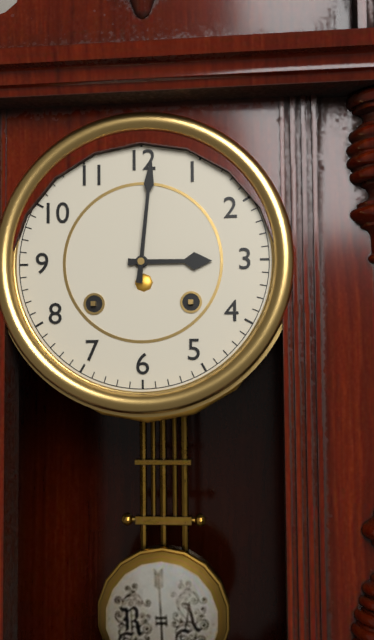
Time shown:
**3:01**
